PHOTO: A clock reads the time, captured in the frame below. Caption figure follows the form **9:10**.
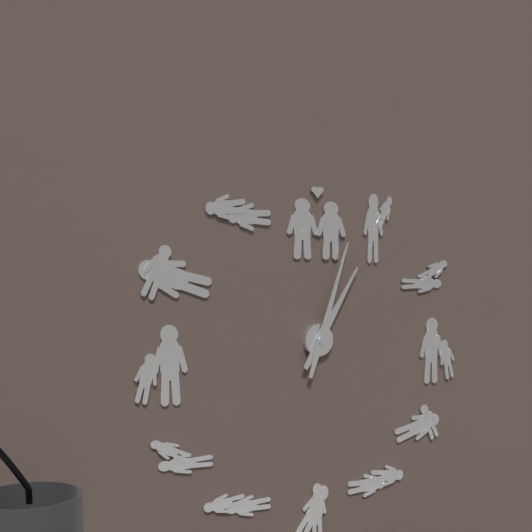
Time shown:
**1:03**
